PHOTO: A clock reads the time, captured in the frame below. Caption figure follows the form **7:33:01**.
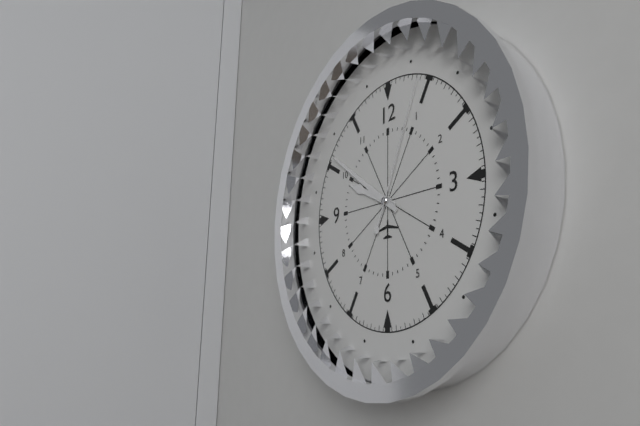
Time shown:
**9:51:04**
